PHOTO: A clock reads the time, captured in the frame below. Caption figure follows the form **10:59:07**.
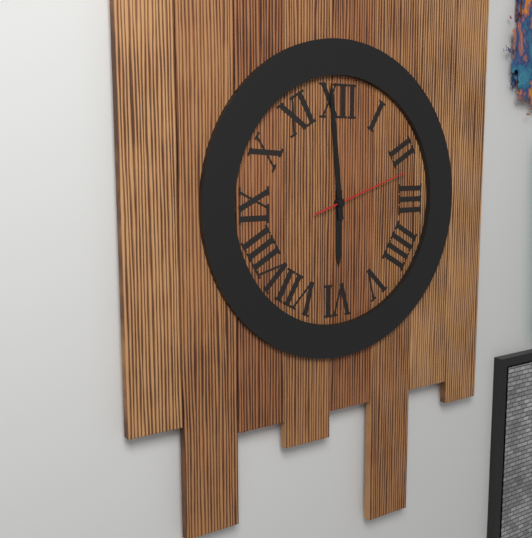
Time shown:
**5:59:12**
